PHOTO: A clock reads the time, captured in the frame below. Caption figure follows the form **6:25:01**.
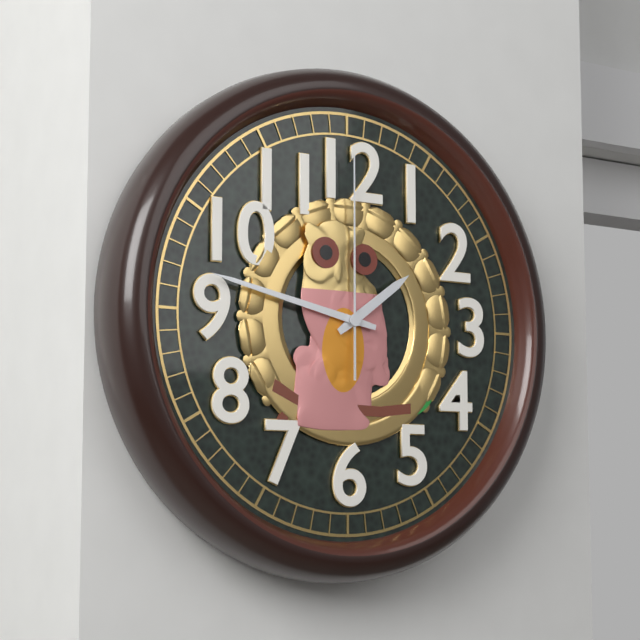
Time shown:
**1:47:00**
